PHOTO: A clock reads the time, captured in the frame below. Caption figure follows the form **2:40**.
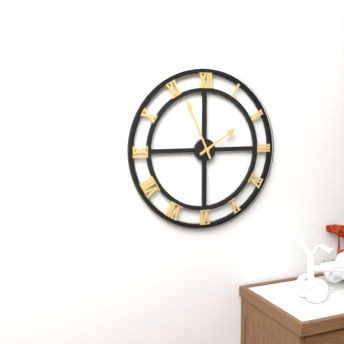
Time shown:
**1:56**
